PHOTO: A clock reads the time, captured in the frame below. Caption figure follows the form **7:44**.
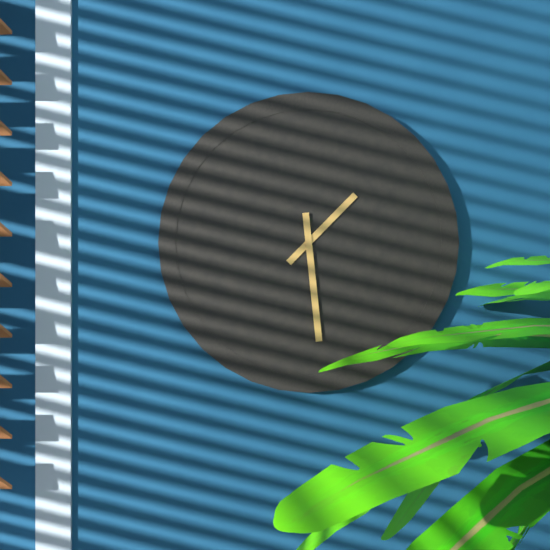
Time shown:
**1:29**
